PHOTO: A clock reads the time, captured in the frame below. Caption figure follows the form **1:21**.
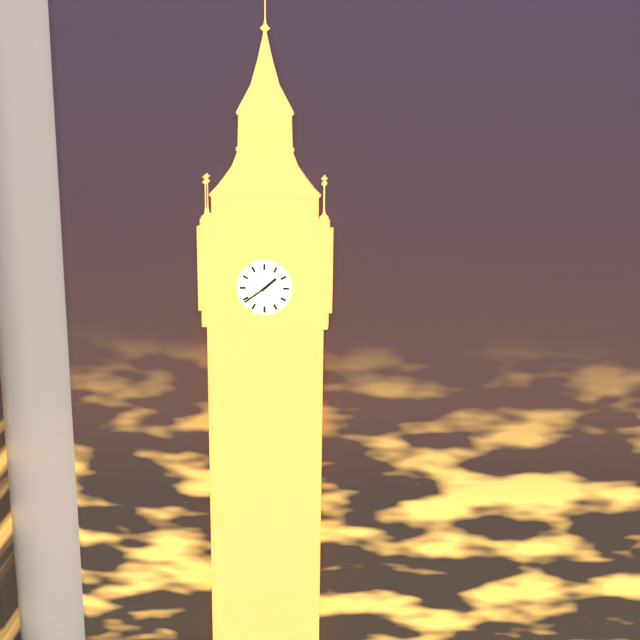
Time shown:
**1:39**
